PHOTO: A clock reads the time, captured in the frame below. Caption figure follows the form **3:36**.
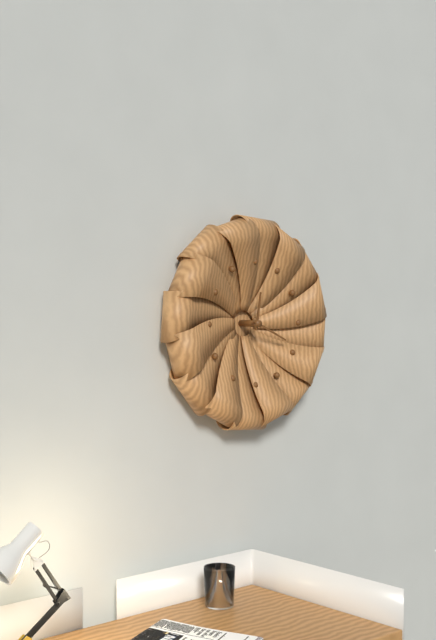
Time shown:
**12:19**
